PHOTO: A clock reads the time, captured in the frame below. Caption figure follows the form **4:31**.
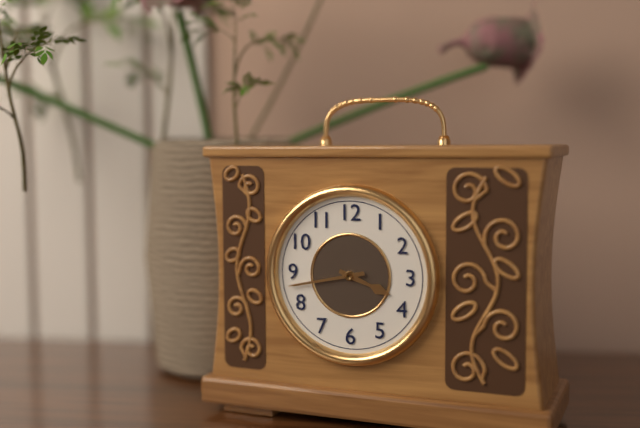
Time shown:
**3:43**
